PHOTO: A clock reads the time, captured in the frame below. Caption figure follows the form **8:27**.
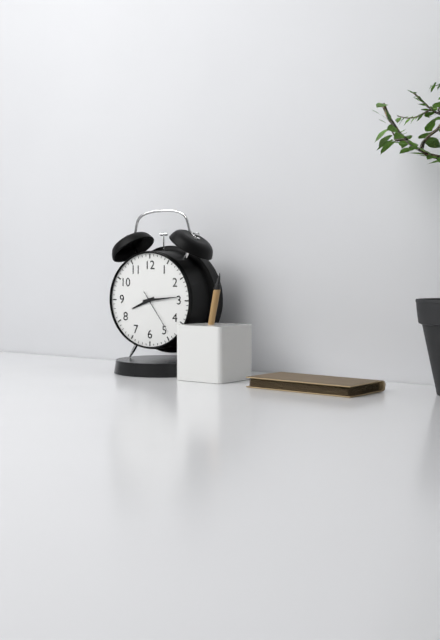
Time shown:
**8:14**
